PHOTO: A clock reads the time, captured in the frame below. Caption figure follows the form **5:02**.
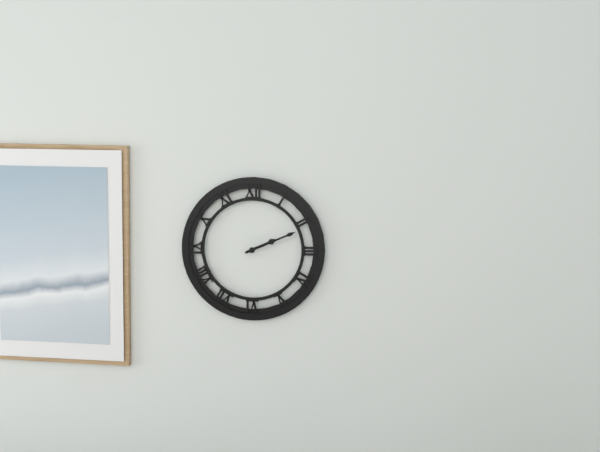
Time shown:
**2:11**
